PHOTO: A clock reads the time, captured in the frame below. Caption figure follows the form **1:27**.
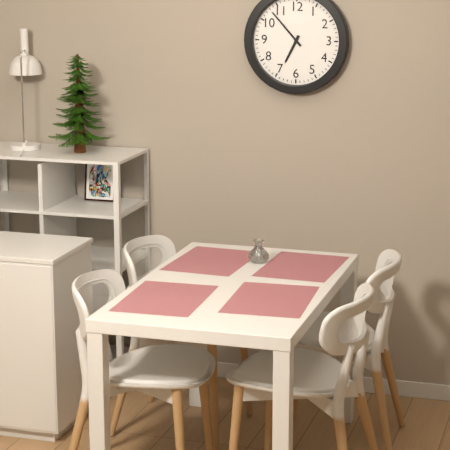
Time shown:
**6:53**
